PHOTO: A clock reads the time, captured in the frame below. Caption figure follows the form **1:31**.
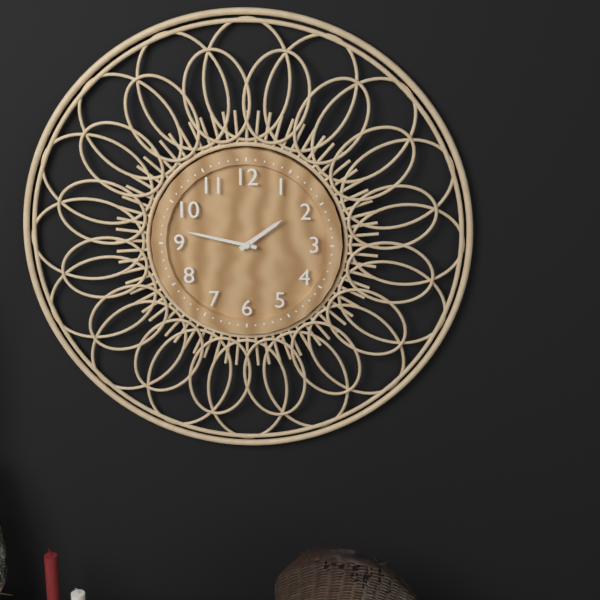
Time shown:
**1:47**
